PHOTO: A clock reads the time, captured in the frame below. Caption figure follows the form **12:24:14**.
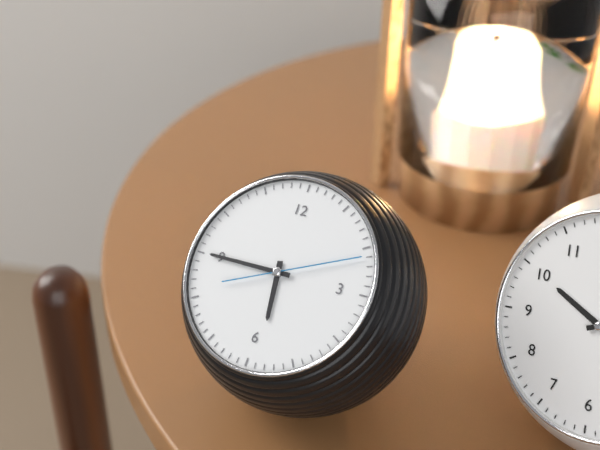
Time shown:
**5:45:11**
